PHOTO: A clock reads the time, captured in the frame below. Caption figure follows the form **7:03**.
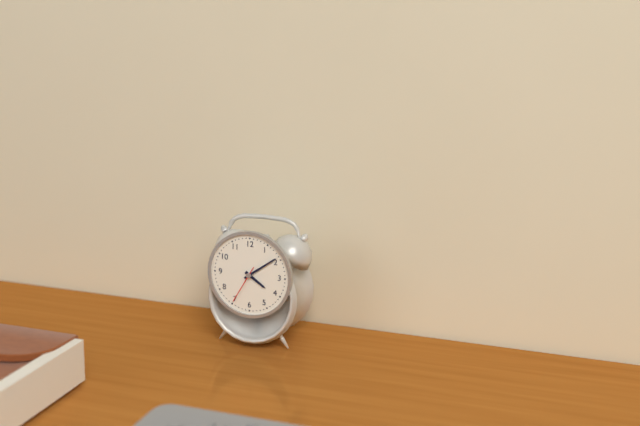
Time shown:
**4:09**
